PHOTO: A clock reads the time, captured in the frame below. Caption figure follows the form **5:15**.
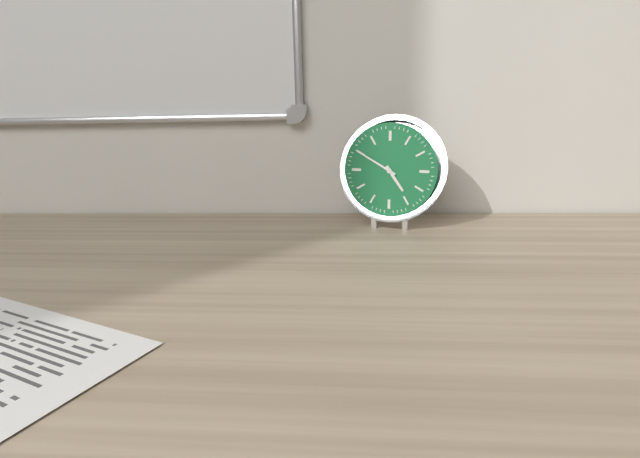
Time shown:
**4:50**
